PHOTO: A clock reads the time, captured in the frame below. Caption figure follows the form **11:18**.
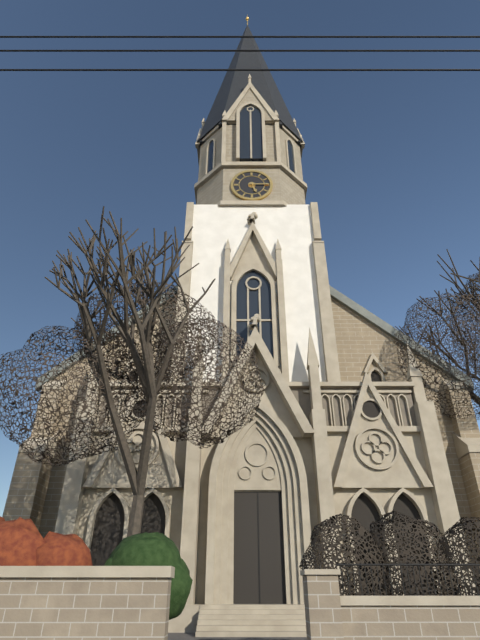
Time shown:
**5:15**
